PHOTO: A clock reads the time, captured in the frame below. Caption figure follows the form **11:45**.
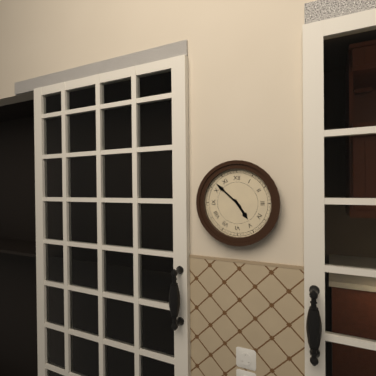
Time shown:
**4:52**
